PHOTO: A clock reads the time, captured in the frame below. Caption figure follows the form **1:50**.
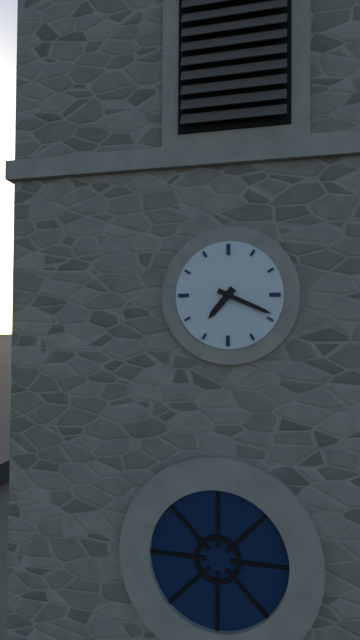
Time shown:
**7:19**
